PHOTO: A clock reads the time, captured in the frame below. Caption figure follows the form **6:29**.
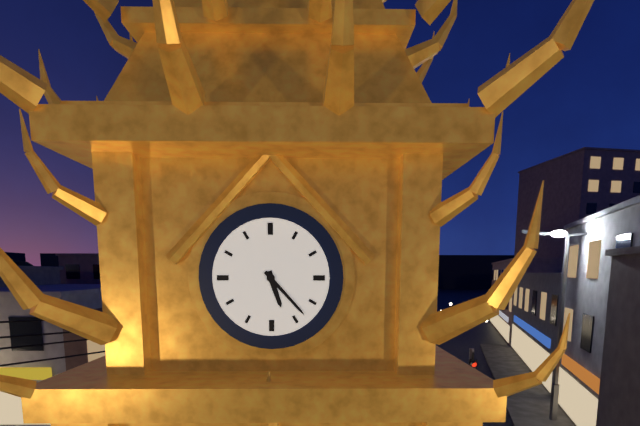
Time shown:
**5:23**
